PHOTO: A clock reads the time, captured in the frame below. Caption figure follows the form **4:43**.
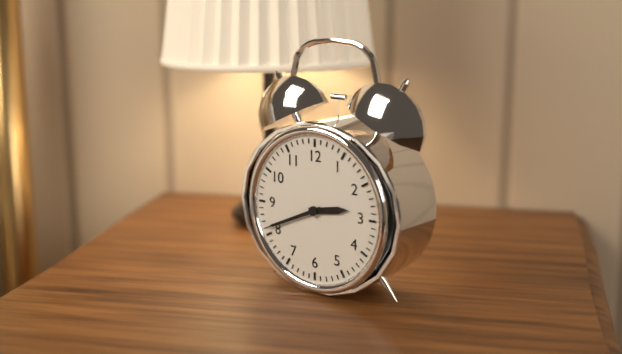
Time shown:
**2:41**
